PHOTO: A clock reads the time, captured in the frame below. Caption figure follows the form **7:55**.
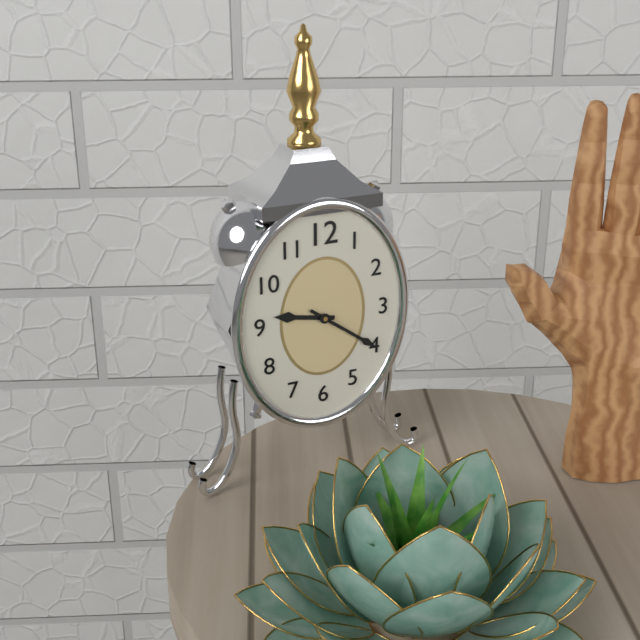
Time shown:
**9:21**
